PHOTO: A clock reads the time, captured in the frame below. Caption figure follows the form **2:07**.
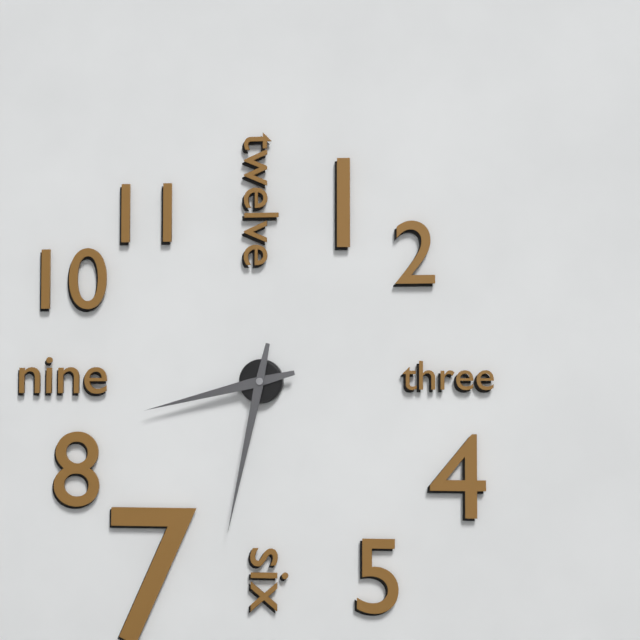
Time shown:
**8:32**
